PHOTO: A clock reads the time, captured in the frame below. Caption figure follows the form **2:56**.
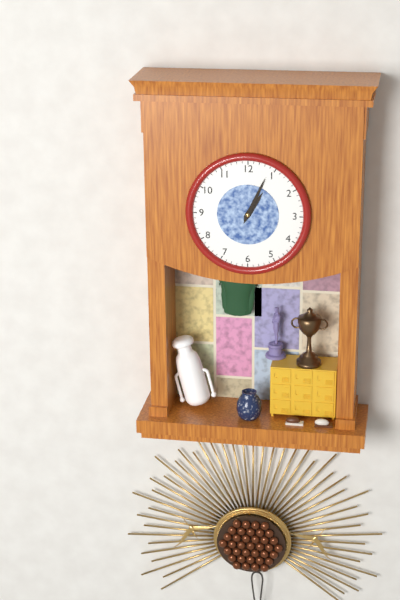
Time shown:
**1:04**
